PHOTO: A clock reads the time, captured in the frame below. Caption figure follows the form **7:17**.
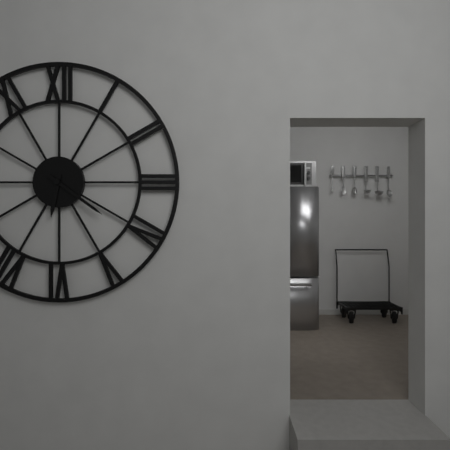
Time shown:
**6:21**
